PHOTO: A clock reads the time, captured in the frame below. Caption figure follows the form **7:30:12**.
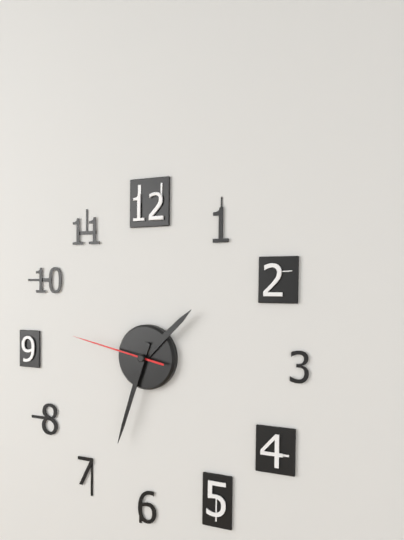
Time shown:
**1:33:47**
